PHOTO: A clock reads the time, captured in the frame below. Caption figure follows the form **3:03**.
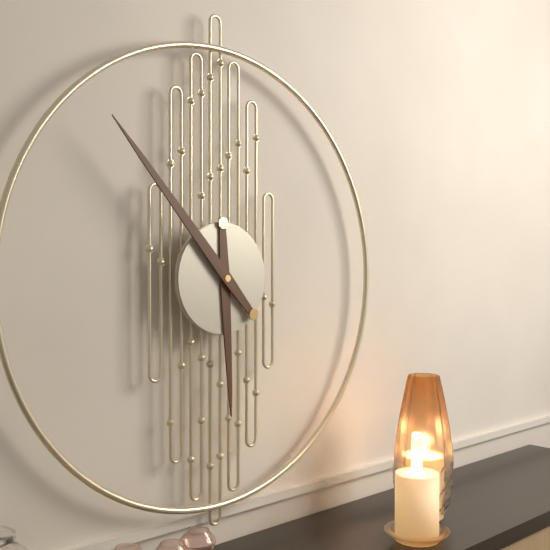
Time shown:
**5:53**
